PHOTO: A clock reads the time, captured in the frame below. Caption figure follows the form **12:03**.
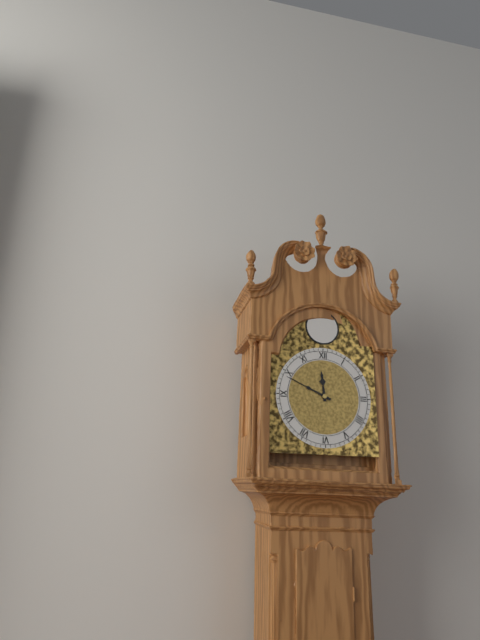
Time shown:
**11:49**
